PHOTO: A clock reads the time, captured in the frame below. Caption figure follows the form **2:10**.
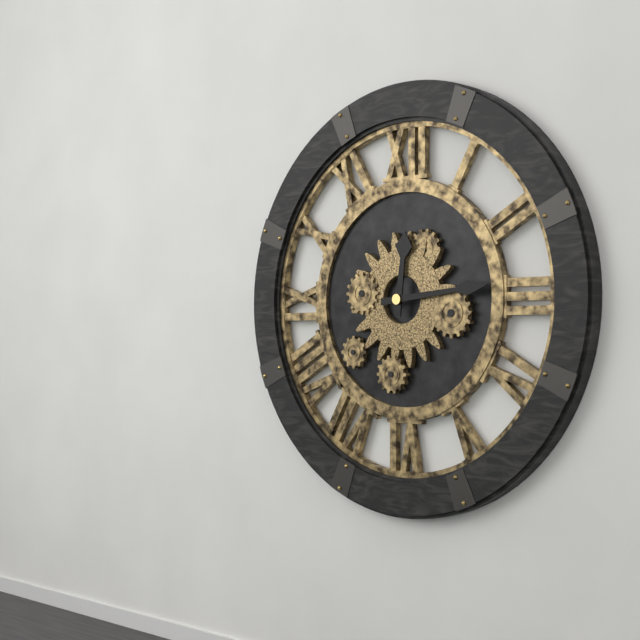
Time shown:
**12:14**
